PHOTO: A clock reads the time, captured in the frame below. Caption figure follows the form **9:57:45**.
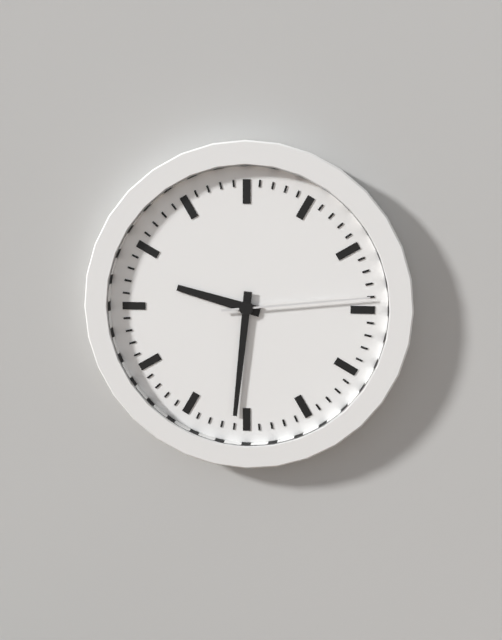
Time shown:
**9:31:14**
